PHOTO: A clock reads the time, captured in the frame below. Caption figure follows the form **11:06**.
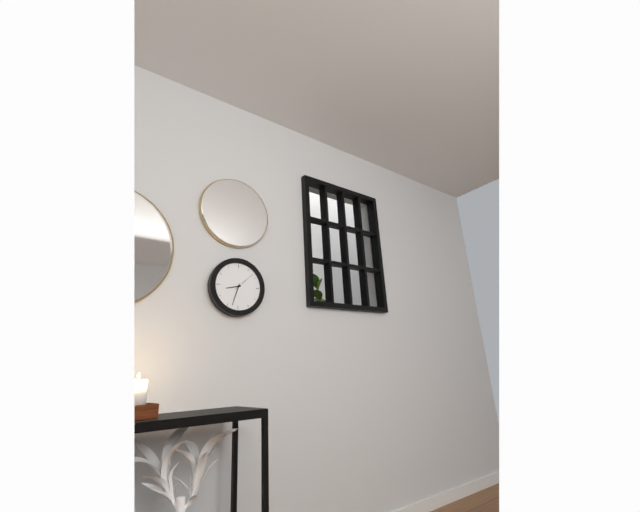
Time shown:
**8:33**
